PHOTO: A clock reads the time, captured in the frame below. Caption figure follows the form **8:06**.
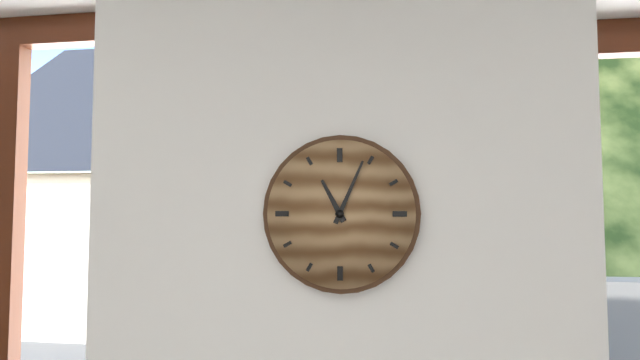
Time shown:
**11:04**
